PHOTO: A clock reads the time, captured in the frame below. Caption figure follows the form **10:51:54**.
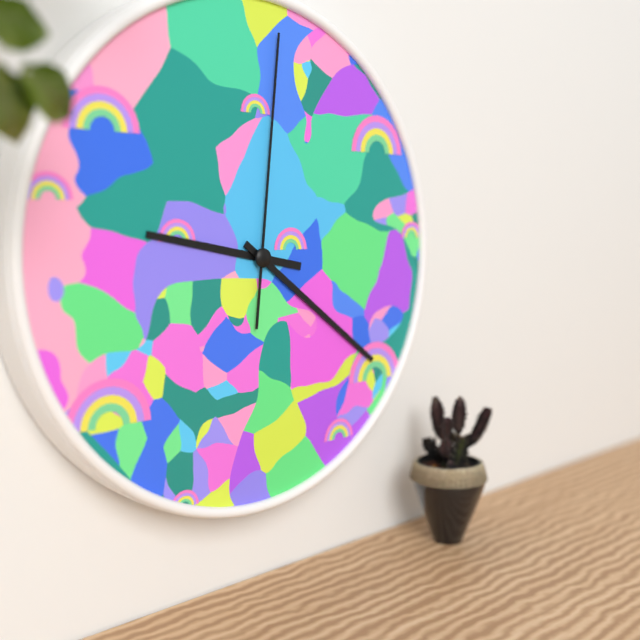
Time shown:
**9:21:01**
